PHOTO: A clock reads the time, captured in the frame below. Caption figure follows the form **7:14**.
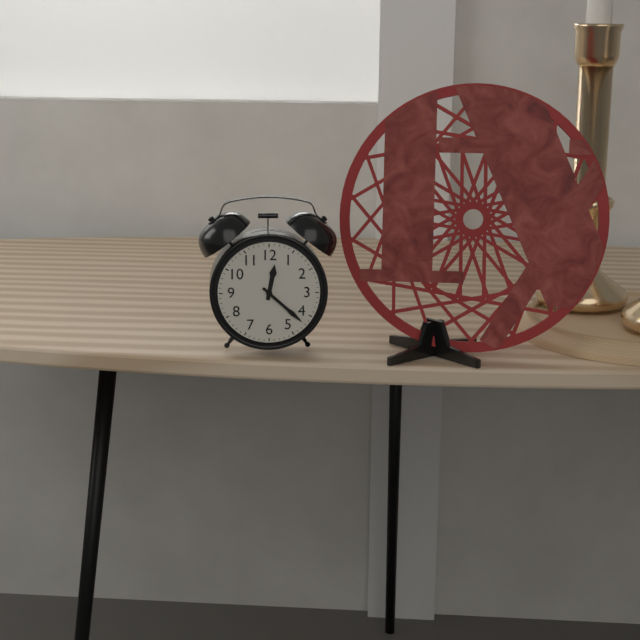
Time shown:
**12:22**
